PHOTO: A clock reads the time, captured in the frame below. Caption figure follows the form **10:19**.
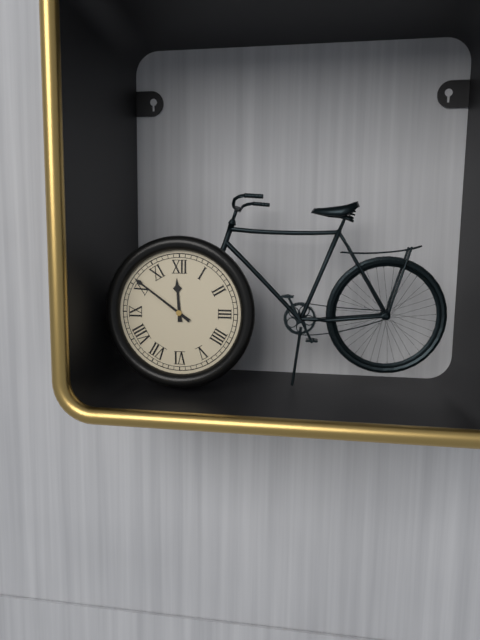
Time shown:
**11:51**
